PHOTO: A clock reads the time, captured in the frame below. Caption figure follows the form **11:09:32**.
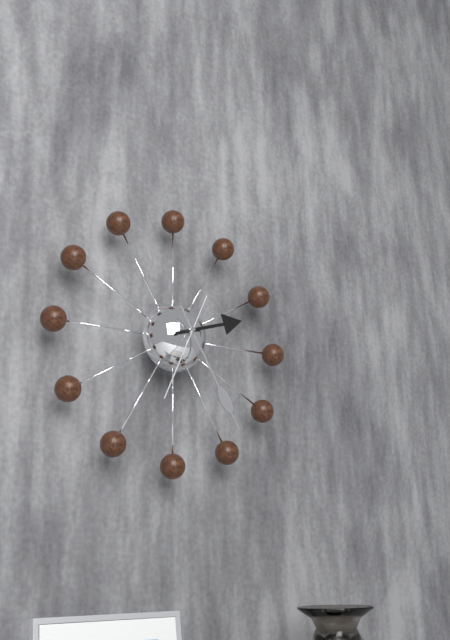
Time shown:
**2:25:34**
